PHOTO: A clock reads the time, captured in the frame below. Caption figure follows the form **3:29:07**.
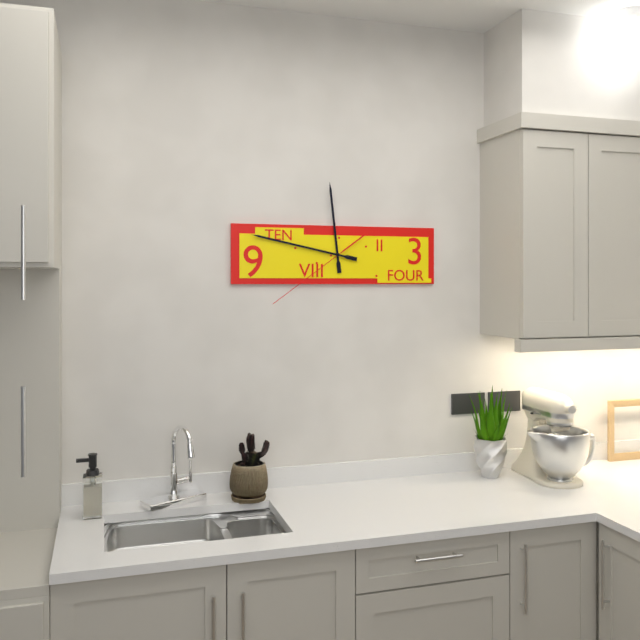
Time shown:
**11:47:39**
